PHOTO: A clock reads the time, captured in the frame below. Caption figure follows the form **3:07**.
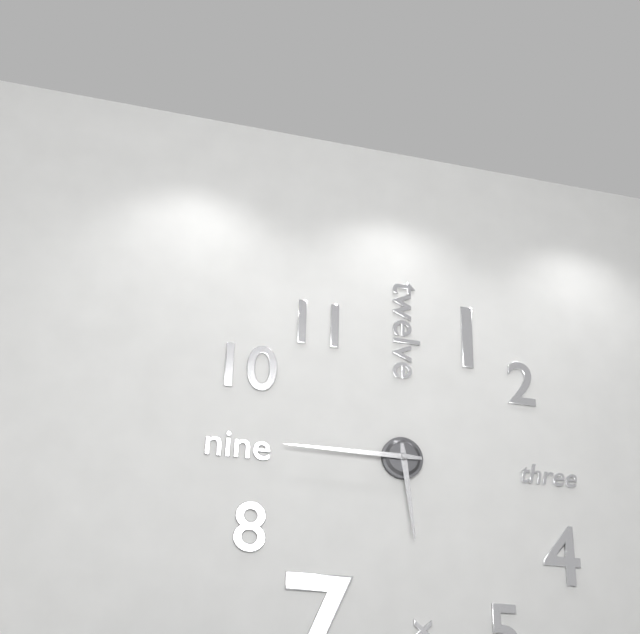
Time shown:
**5:45**
